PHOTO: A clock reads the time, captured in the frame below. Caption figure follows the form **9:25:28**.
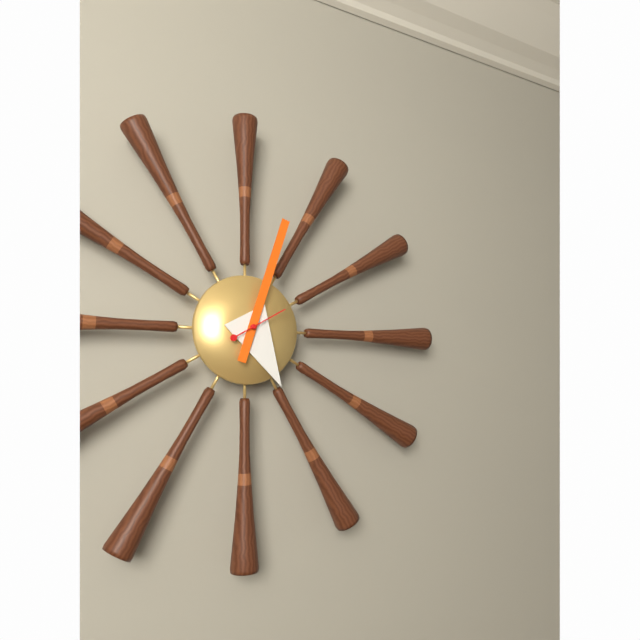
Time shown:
**5:03:10**
